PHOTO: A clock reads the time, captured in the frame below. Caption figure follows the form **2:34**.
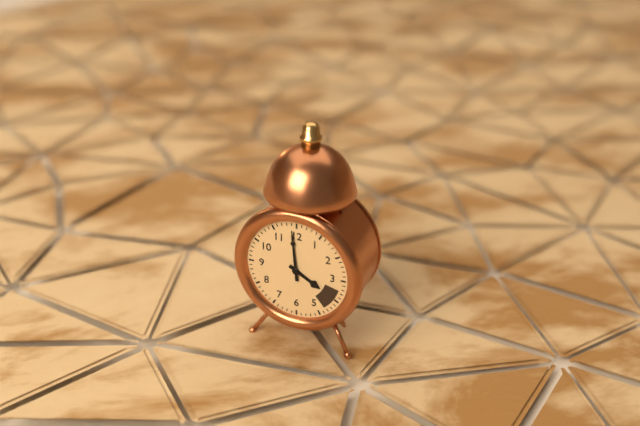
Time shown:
**3:59**
